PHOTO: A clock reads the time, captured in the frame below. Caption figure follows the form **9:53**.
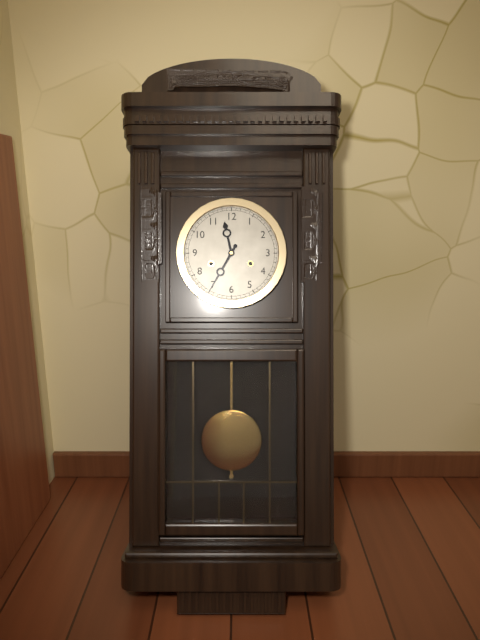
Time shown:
**11:35**
